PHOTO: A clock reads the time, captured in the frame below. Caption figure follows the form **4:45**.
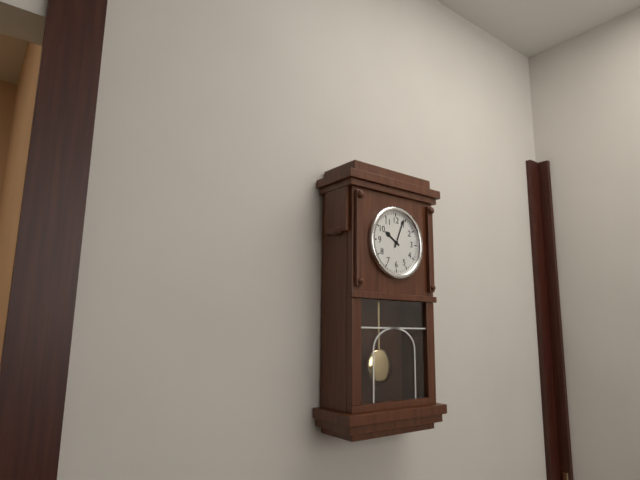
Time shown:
**10:04**
